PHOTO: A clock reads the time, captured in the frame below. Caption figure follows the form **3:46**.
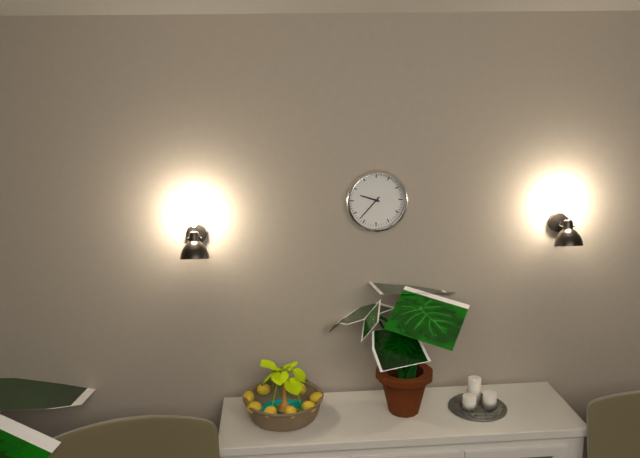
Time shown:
**9:37**
